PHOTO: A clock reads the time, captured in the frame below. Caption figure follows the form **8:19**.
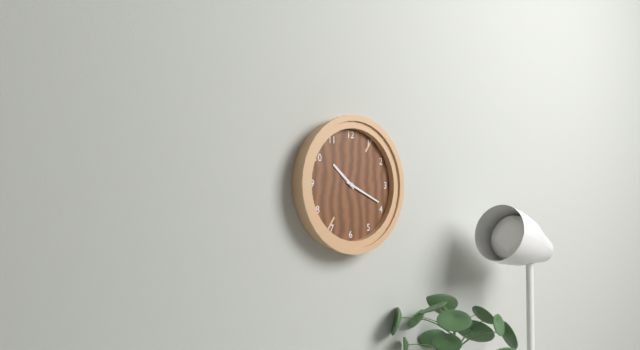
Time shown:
**10:19**
